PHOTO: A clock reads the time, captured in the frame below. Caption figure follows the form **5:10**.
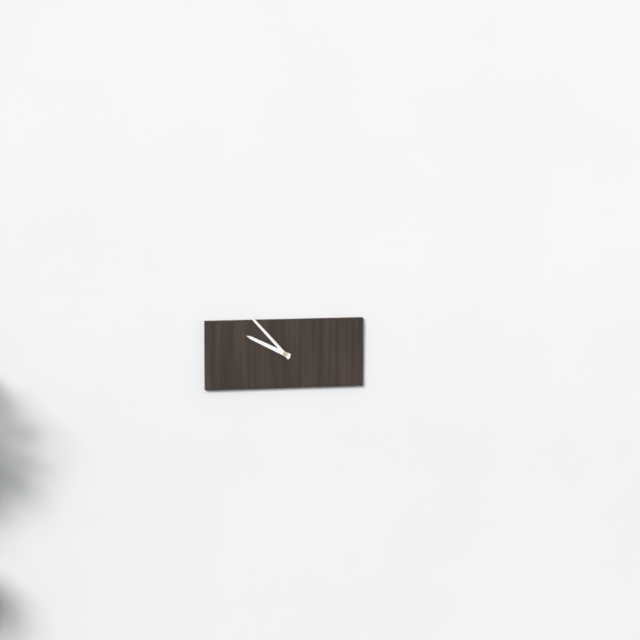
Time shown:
**9:53**
